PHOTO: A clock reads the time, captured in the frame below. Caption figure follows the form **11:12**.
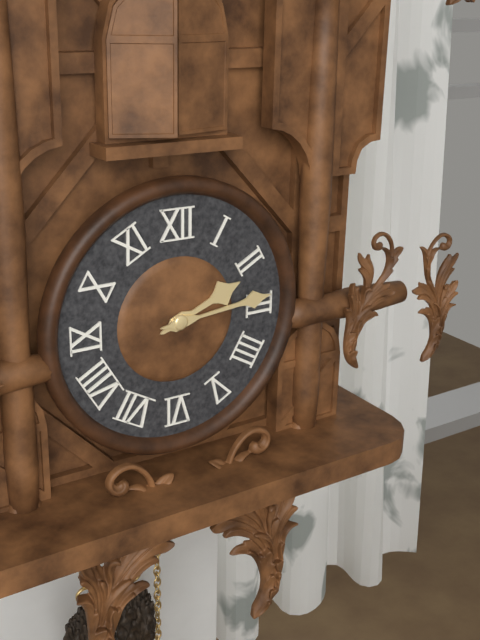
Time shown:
**2:14**
